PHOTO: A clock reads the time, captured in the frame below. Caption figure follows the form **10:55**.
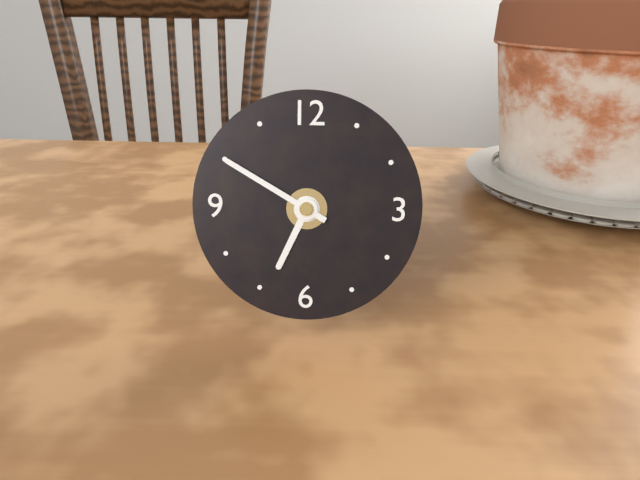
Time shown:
**6:50**
